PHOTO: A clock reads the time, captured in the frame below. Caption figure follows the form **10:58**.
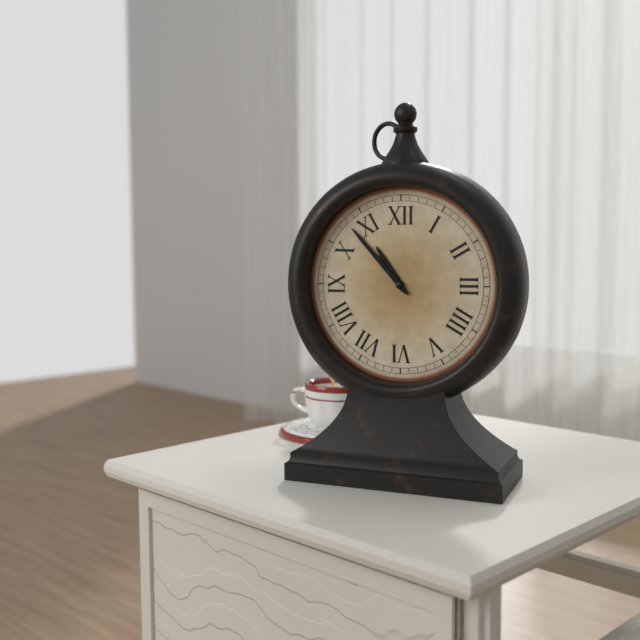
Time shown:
**10:53**
